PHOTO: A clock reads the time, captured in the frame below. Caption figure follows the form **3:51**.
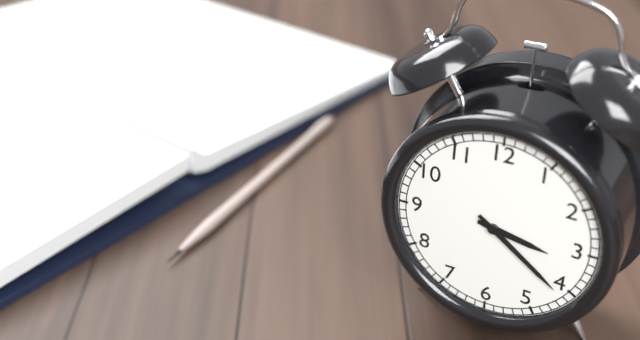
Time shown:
**3:21**
